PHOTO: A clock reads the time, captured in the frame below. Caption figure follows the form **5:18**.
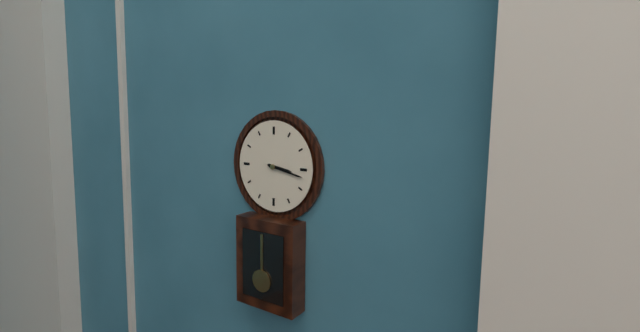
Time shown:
**3:17**
